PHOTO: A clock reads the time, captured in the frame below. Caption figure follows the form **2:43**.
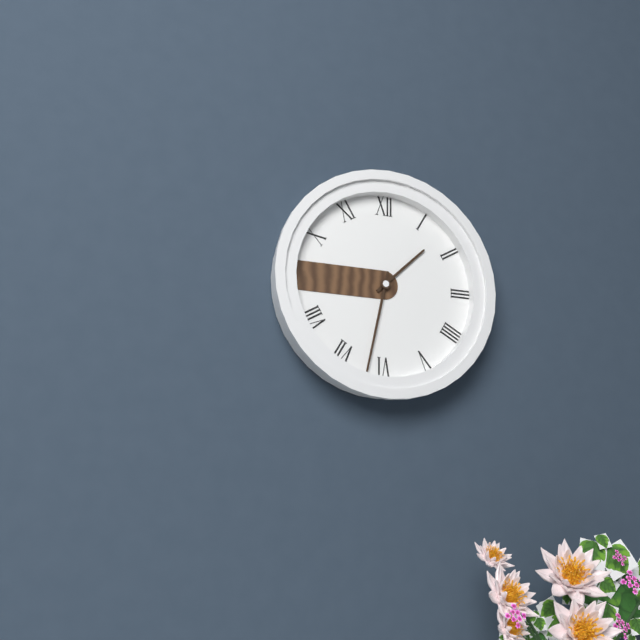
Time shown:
**1:32**
